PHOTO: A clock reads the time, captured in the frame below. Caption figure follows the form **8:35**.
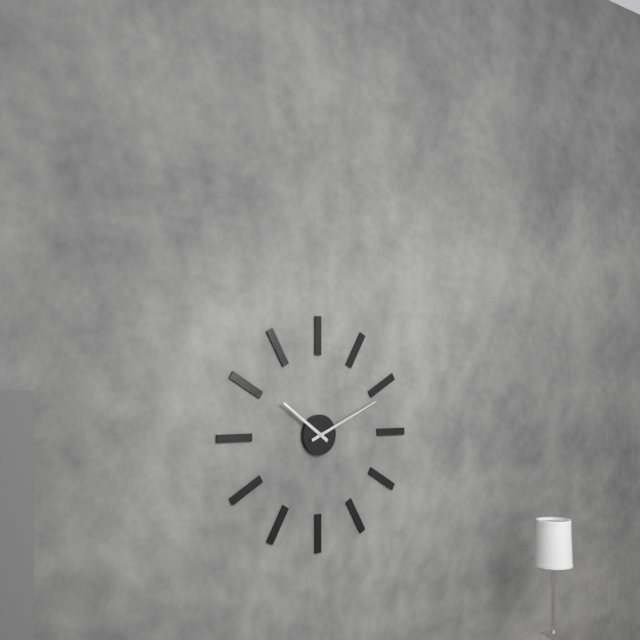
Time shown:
**10:11**
